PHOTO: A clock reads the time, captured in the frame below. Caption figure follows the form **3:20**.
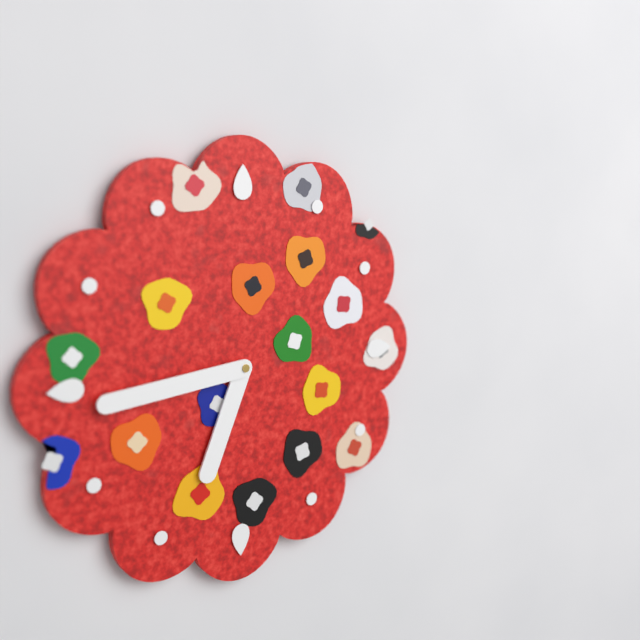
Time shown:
**6:44**
